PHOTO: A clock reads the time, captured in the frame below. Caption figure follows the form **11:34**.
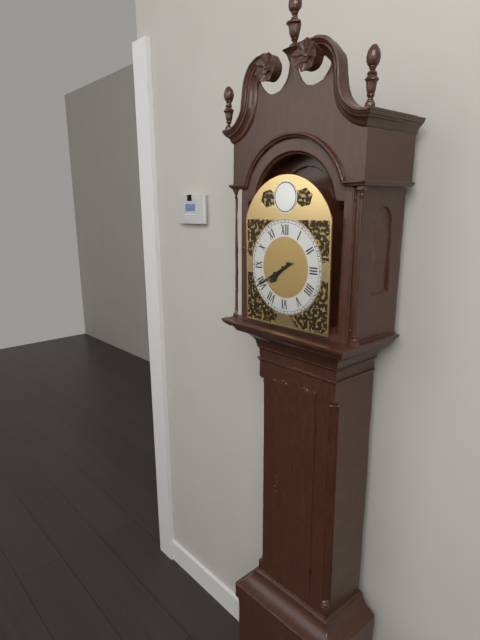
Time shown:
**7:40**
